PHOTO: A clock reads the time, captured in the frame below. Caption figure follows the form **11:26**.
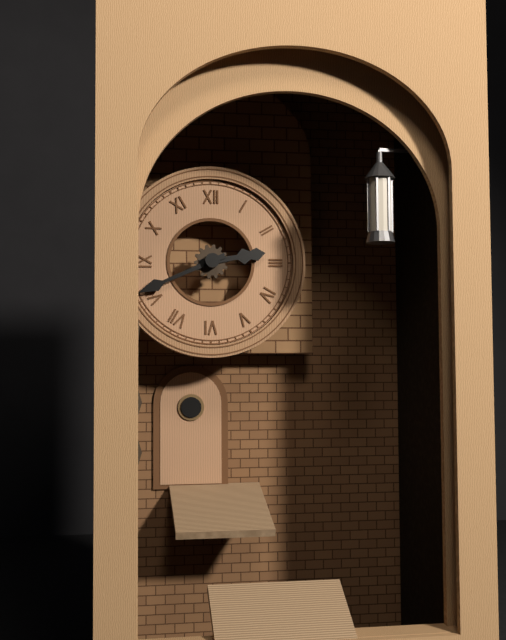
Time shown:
**2:41**
